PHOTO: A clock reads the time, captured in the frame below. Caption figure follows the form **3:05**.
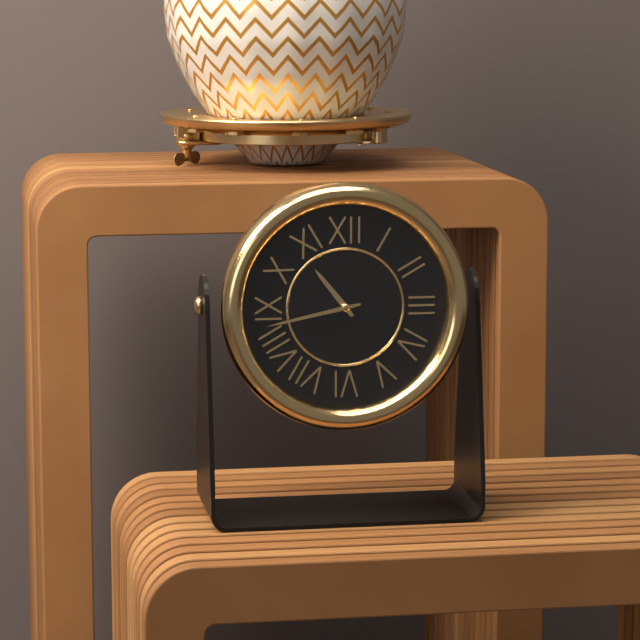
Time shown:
**10:43**
